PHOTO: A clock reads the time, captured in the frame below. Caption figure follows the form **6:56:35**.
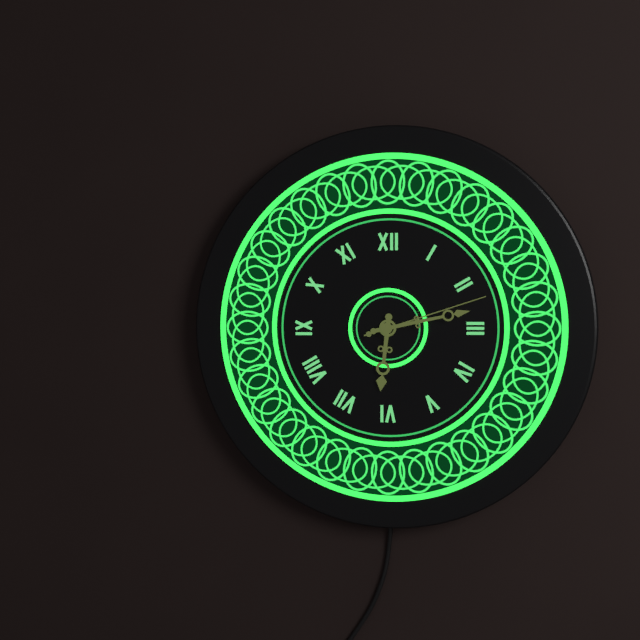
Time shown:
**6:13:12**
